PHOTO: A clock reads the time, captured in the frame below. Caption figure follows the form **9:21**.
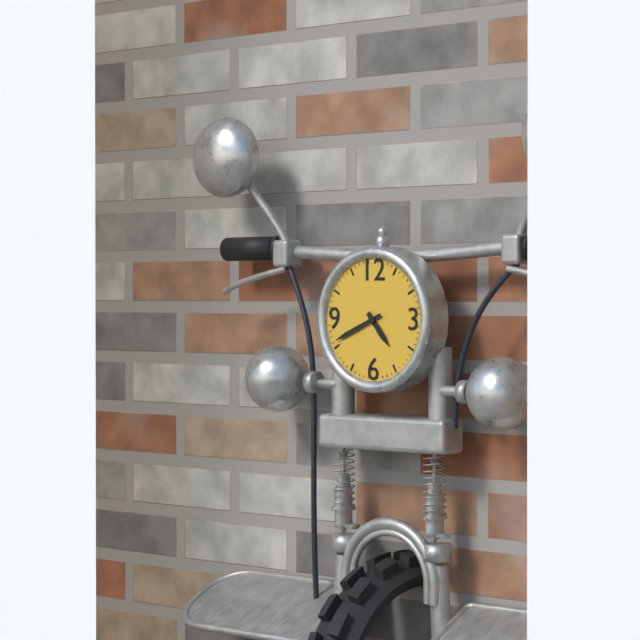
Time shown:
**4:41**
